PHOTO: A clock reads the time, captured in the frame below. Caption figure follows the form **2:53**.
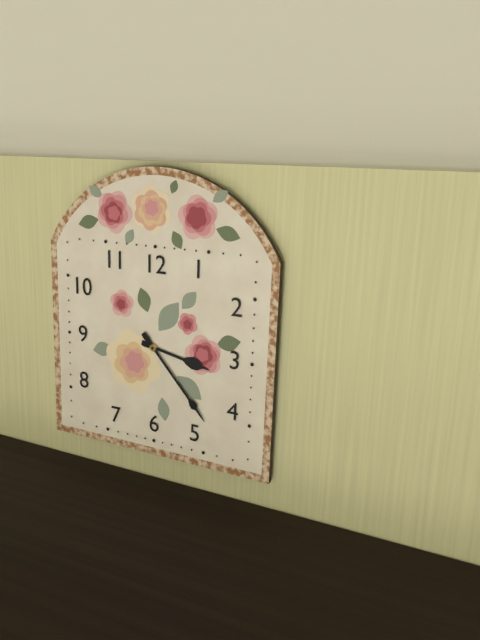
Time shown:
**3:23**
